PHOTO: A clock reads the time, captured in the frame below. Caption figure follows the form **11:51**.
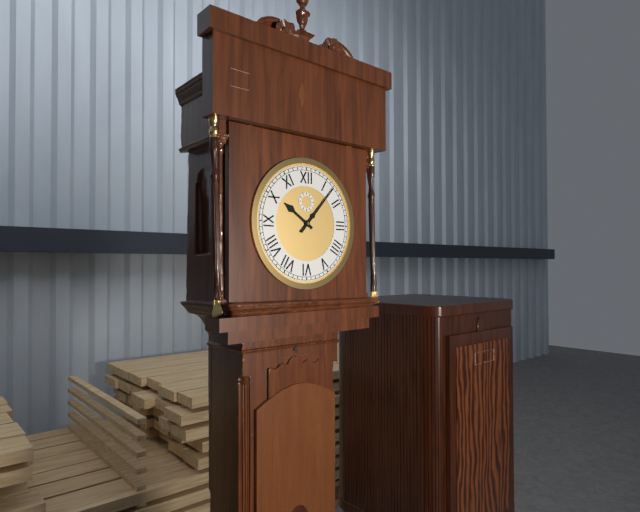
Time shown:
**10:07**
